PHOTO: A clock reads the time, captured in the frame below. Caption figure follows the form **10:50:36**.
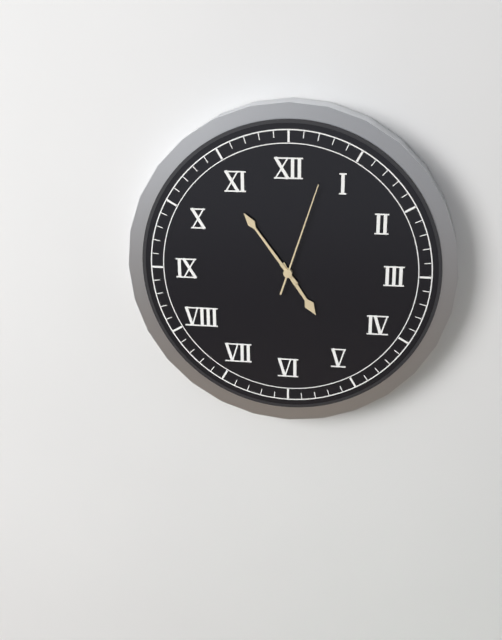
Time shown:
**4:54:03**
